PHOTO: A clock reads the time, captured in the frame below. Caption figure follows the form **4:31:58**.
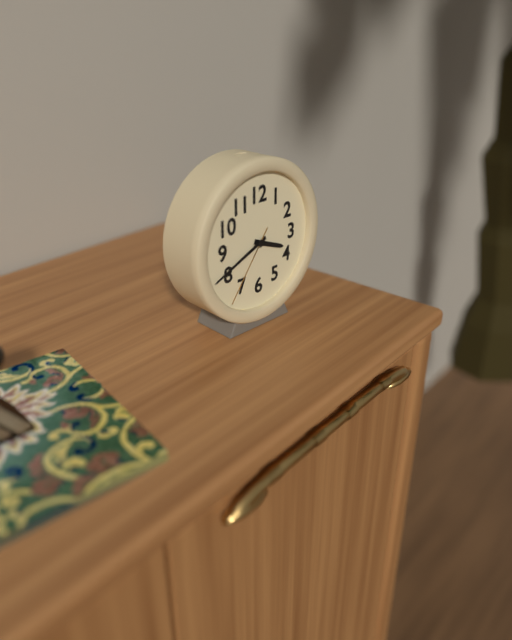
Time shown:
**3:41:36**
